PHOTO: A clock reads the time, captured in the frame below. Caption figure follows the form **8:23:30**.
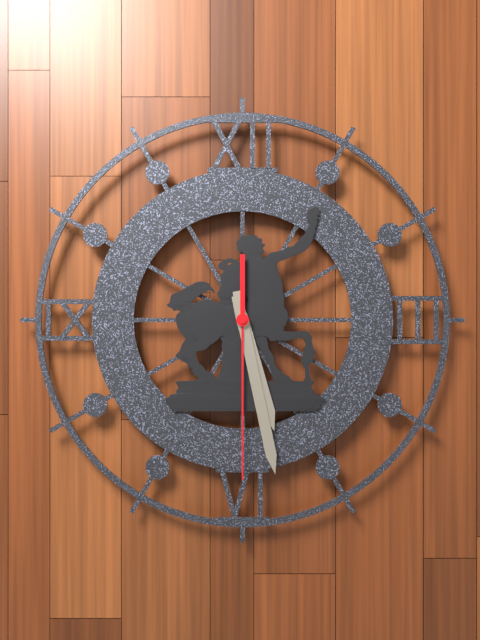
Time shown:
**5:28:30**
